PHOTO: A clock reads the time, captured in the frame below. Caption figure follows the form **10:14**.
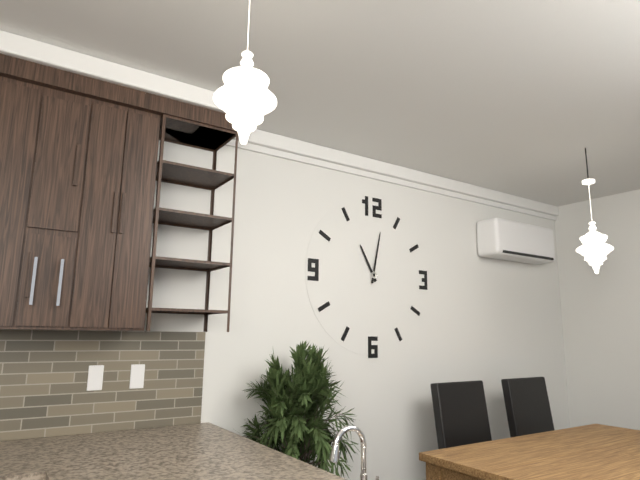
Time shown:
**11:02**
